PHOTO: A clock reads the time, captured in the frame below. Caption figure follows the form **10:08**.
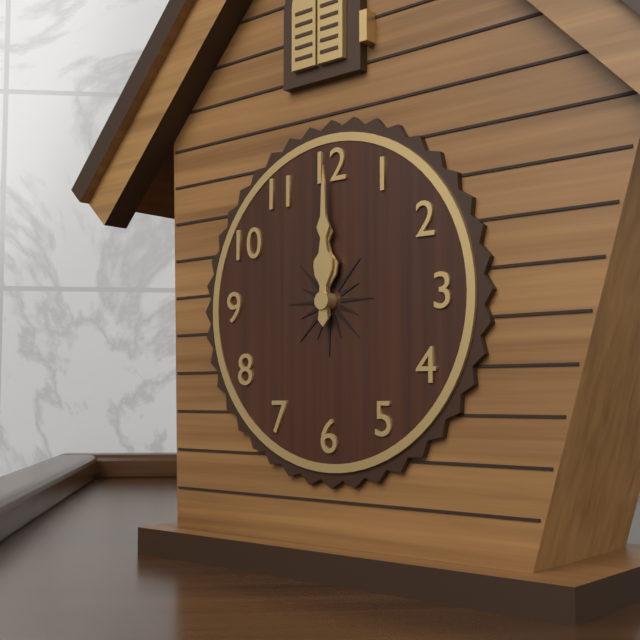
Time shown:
**12:00**
